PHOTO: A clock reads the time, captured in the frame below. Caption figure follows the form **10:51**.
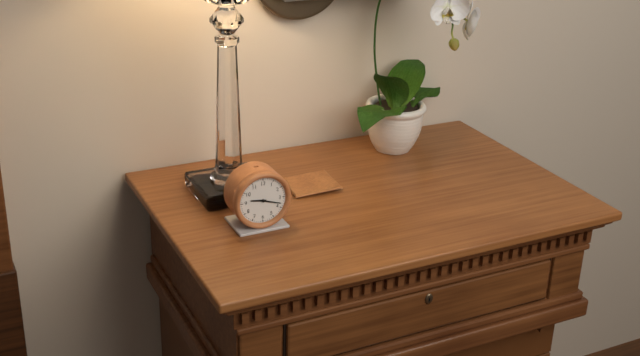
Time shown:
**9:18**
